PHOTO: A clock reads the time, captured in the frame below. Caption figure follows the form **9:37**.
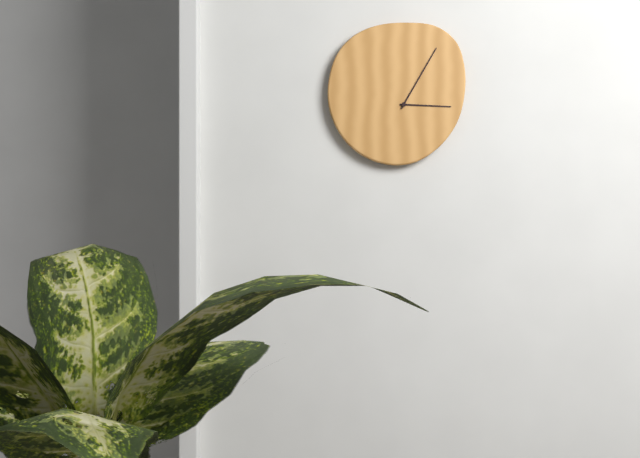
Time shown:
**3:05**
